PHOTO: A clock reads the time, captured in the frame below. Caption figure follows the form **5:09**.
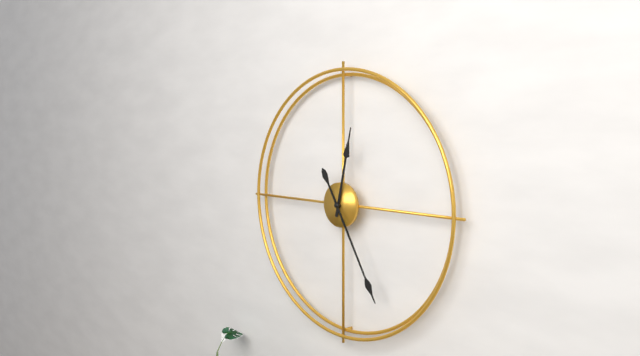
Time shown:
**12:25**
